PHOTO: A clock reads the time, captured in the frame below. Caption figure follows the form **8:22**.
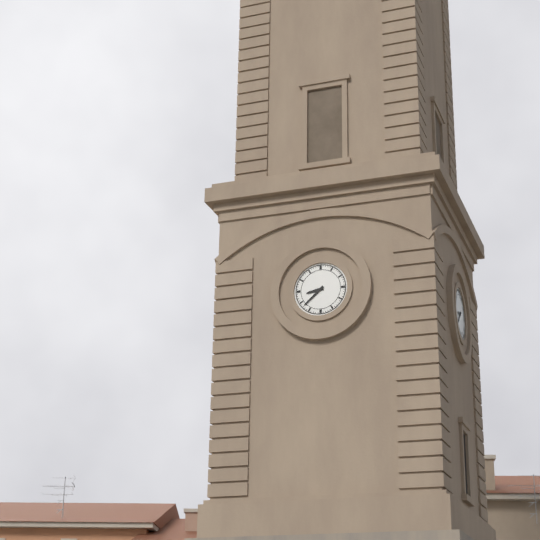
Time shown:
**8:38**
